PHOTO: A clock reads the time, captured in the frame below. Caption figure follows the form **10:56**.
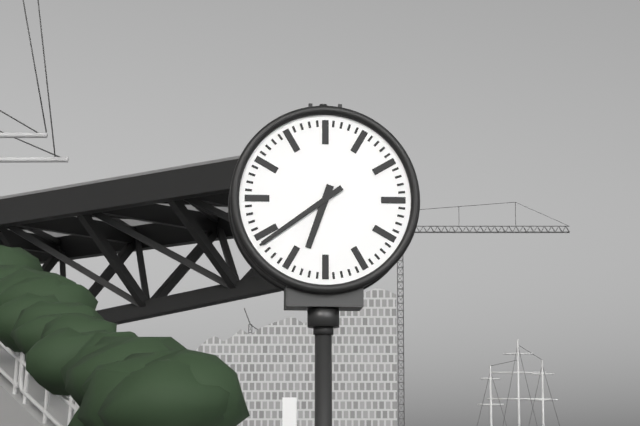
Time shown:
**6:39**
